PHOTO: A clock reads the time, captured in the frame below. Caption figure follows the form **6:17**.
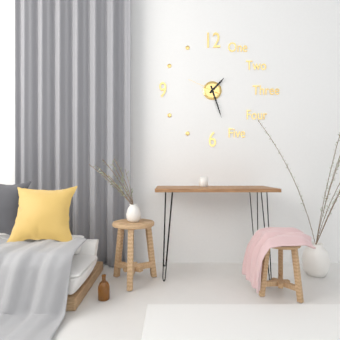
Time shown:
**1:27**
